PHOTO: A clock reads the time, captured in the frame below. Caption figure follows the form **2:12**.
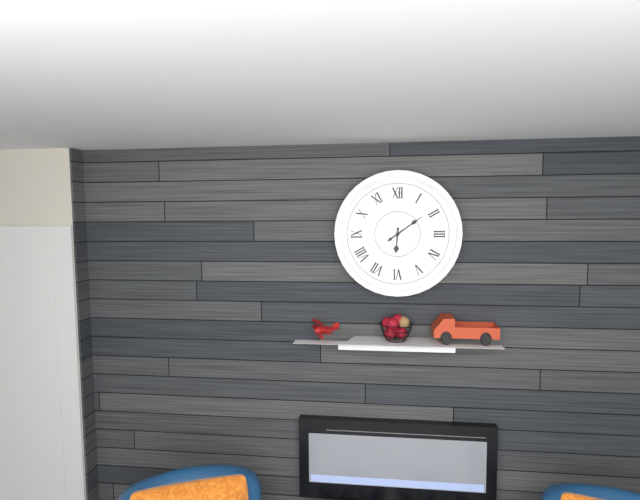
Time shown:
**6:09**
